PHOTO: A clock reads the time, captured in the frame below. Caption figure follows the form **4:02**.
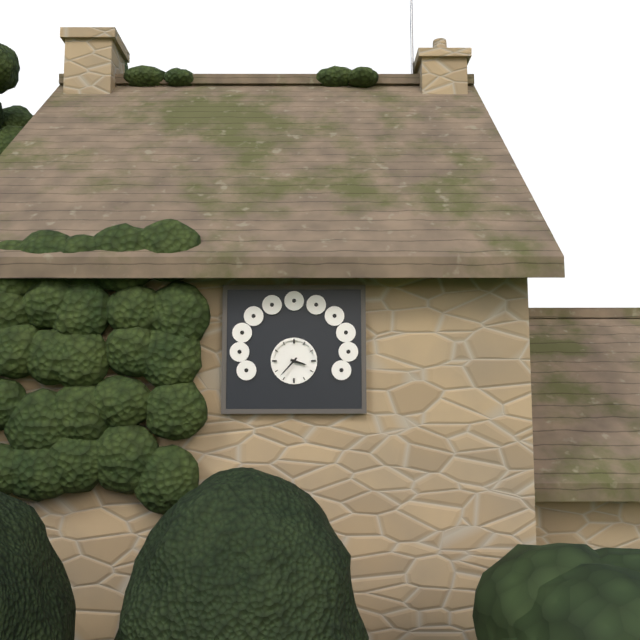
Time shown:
**3:37**
